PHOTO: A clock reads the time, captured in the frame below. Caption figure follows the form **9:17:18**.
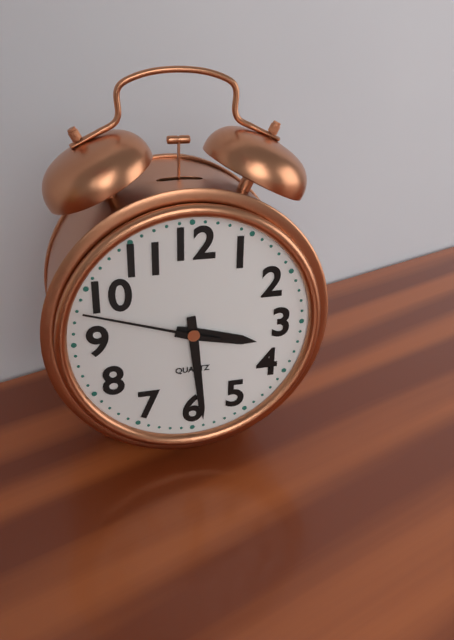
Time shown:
**3:29:48**
